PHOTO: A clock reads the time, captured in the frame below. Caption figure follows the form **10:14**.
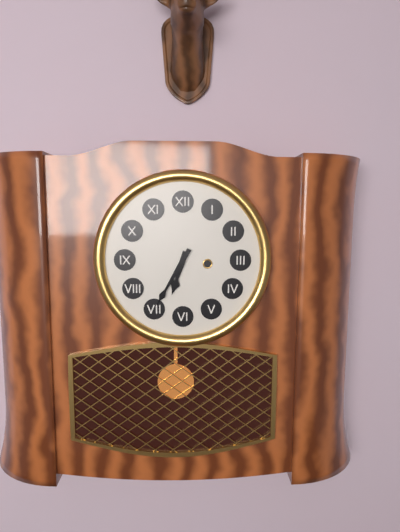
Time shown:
**6:35**
